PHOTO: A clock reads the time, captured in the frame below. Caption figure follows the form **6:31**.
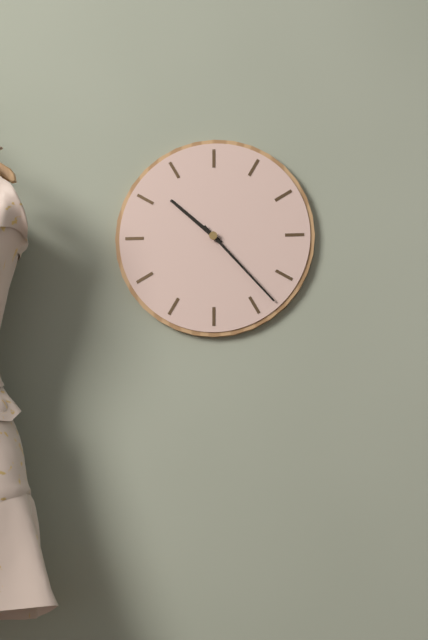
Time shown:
**10:23**
